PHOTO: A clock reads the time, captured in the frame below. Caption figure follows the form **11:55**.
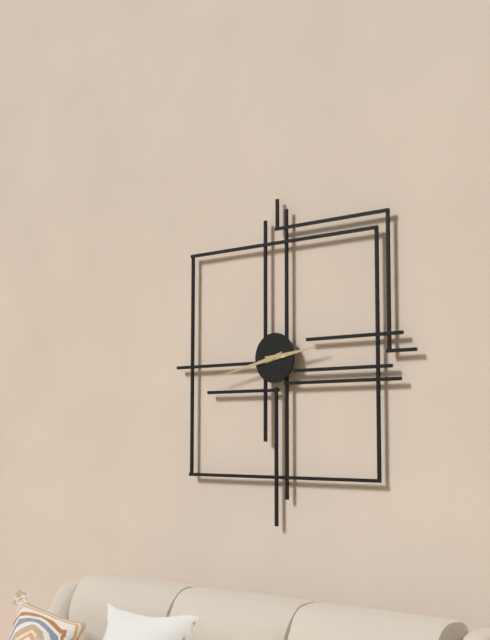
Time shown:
**2:43**
